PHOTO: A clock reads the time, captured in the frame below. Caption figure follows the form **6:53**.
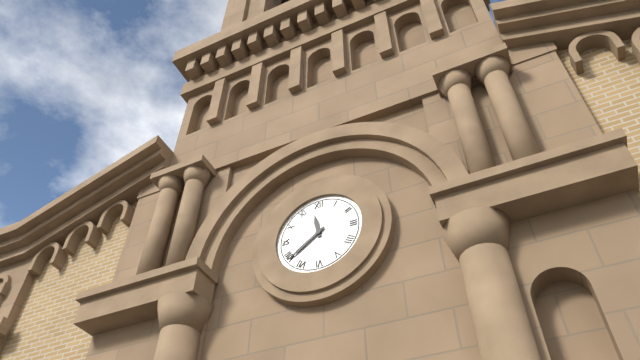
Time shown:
**11:39**
